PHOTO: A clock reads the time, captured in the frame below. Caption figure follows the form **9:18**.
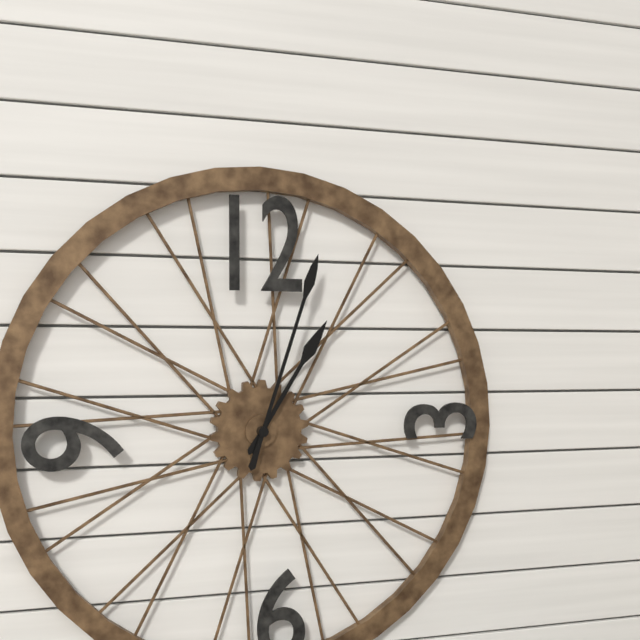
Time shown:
**1:03**
